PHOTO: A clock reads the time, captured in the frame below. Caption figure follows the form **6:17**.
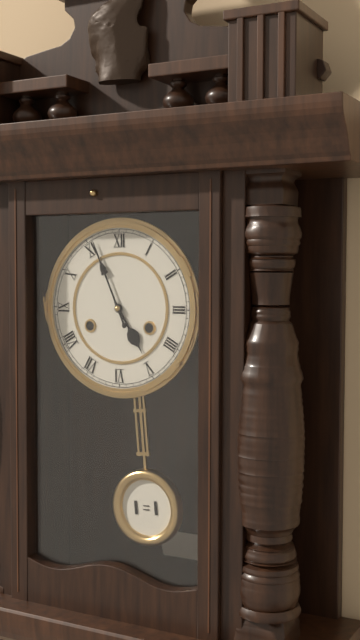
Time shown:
**4:56**
